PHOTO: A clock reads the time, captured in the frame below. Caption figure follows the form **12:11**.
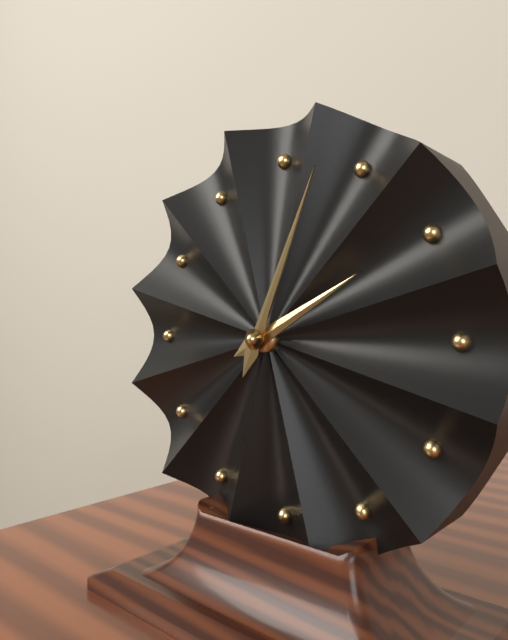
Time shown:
**2:04**
